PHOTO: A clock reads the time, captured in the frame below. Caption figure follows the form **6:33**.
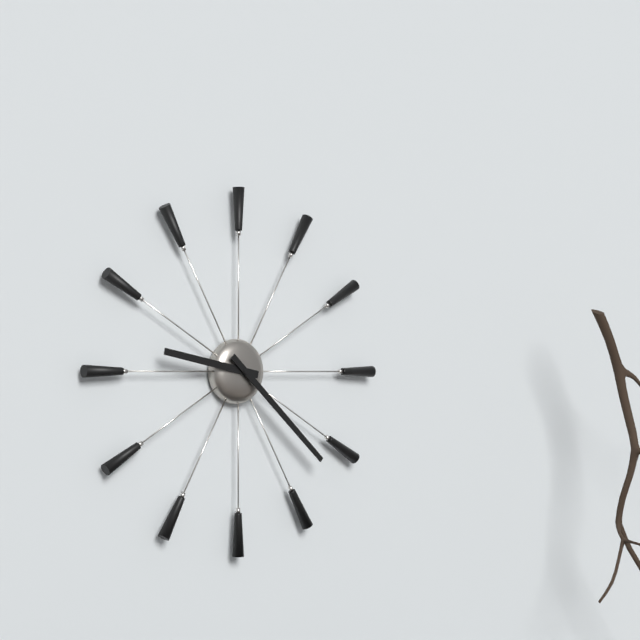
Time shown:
**9:22**
